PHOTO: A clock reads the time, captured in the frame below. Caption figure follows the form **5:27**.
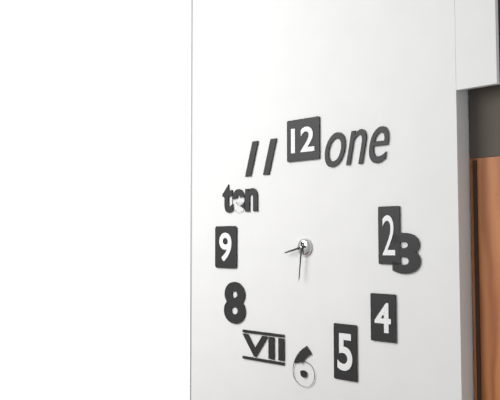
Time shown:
**8:31**
